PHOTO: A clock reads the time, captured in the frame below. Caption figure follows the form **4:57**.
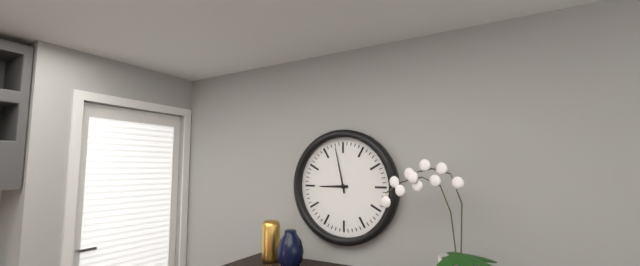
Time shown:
**8:58**
